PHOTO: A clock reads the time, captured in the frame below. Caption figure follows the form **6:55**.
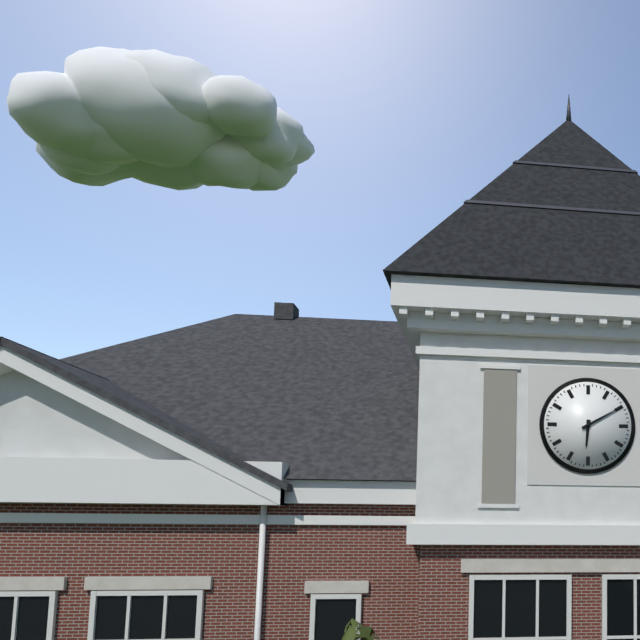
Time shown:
**6:10**
